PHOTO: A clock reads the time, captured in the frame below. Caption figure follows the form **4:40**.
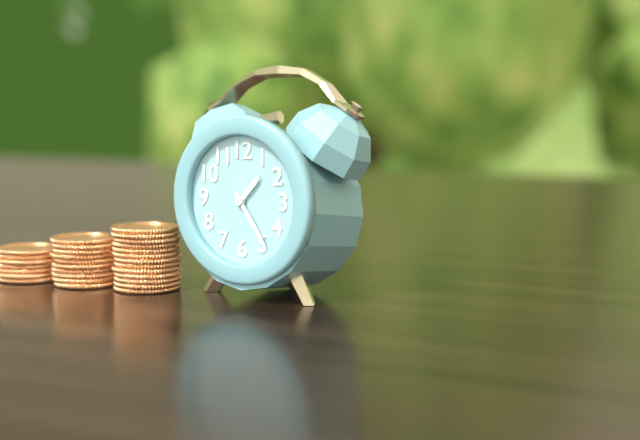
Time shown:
**1:24**
